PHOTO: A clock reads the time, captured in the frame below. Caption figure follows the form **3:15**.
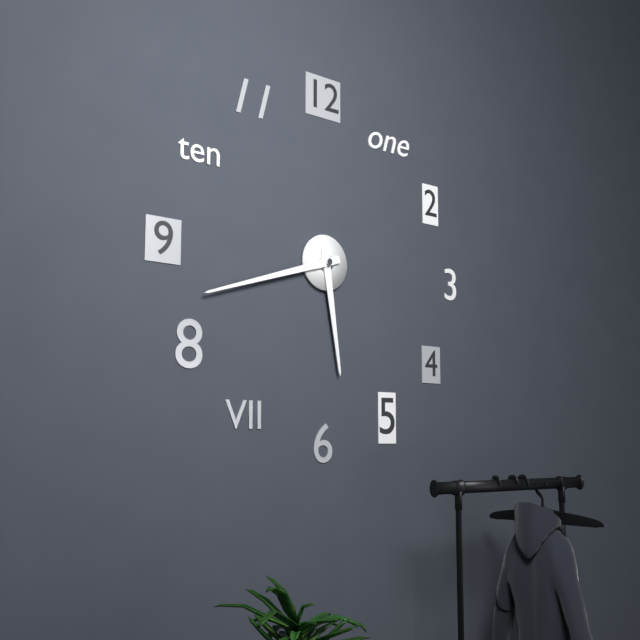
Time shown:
**5:42**
